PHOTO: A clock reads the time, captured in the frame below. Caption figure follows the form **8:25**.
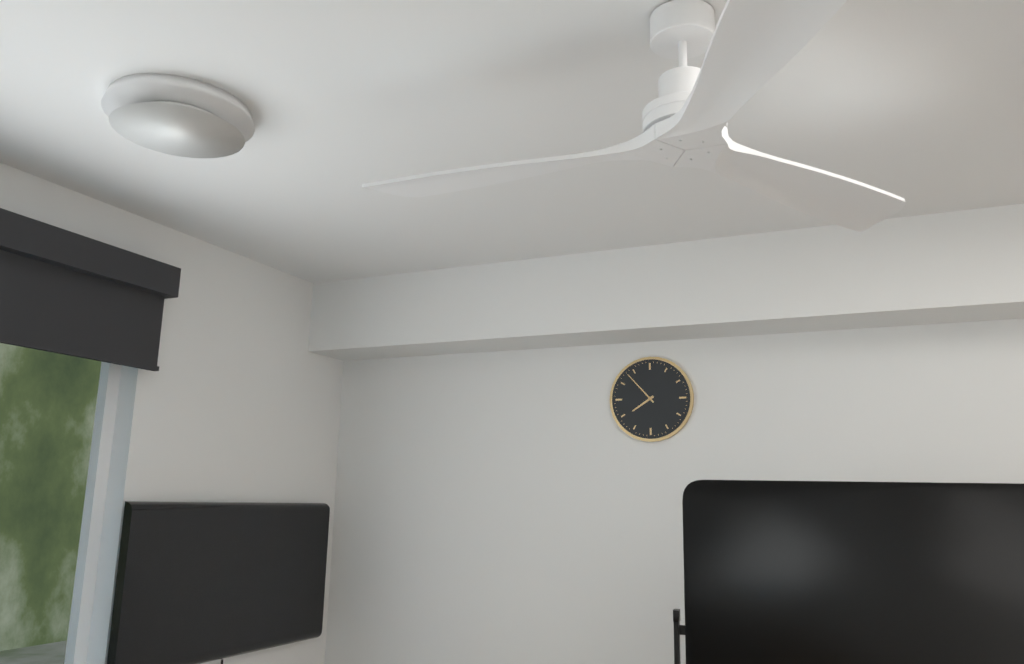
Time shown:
**7:53**
